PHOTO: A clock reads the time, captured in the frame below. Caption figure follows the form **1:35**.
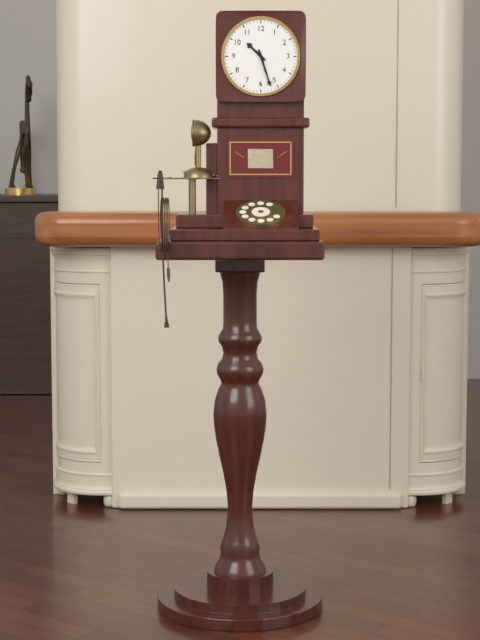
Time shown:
**10:27**
